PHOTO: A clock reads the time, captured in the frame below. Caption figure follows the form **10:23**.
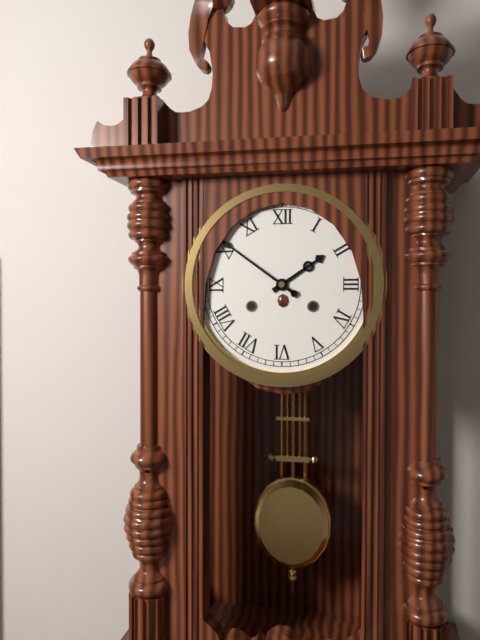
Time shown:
**1:51**
